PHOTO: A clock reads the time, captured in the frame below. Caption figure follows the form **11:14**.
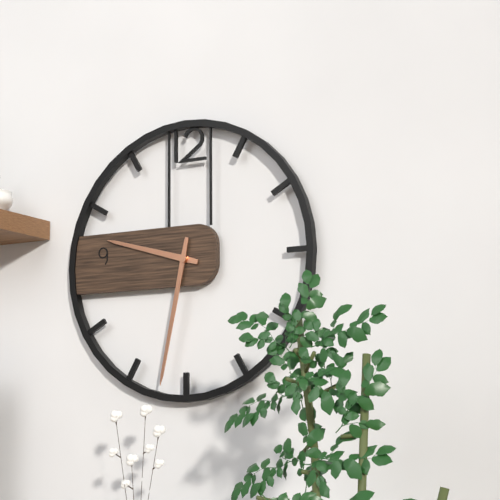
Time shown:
**9:32**
